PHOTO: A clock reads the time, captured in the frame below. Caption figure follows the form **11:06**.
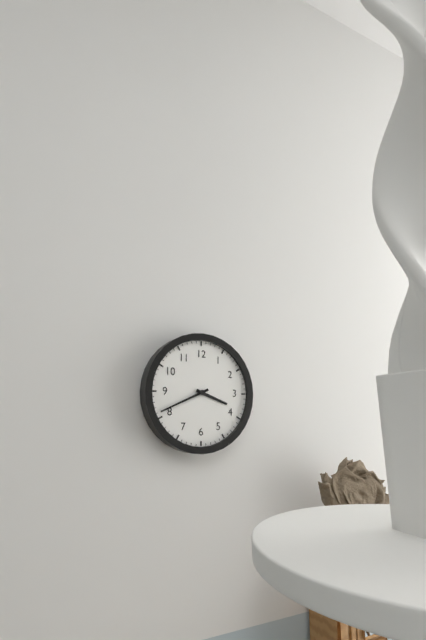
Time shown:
**3:41**
